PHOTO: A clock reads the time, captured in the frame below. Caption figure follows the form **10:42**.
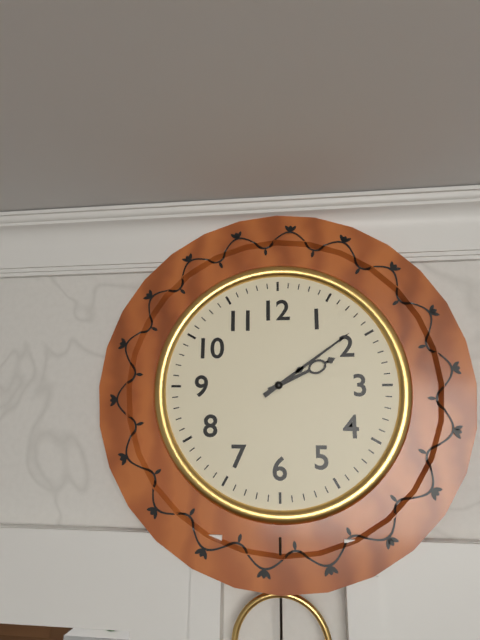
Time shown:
**2:09**
